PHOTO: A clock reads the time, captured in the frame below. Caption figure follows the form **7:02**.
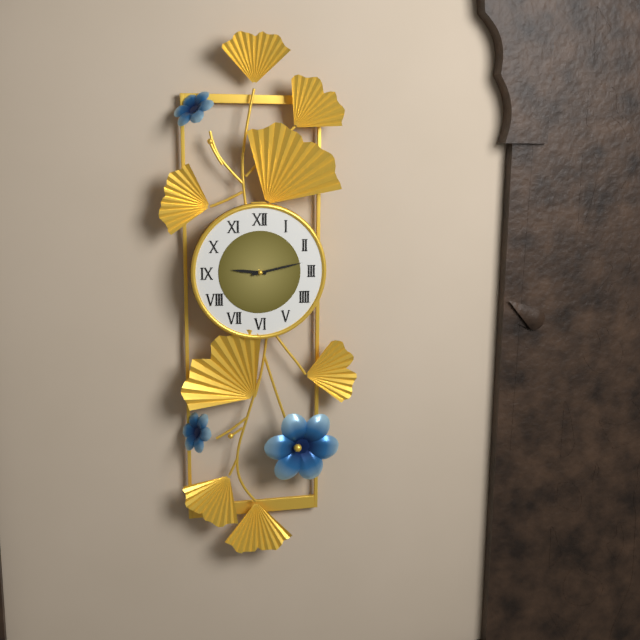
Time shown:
**9:13**
